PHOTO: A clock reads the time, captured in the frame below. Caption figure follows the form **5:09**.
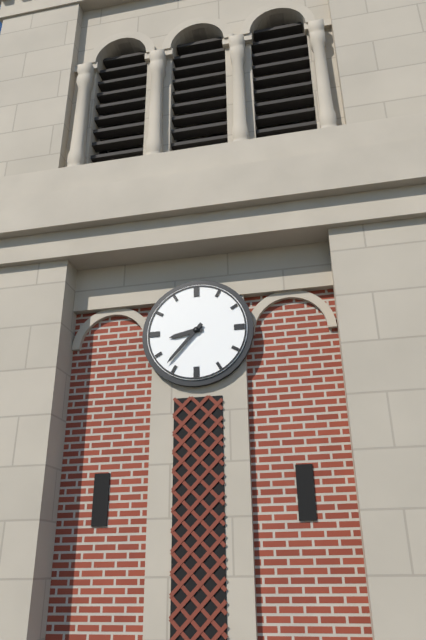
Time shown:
**8:37**
